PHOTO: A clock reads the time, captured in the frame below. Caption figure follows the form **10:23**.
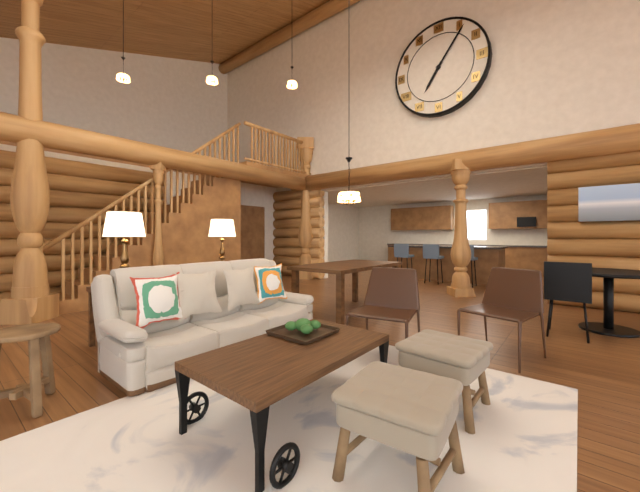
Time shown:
**7:06**
